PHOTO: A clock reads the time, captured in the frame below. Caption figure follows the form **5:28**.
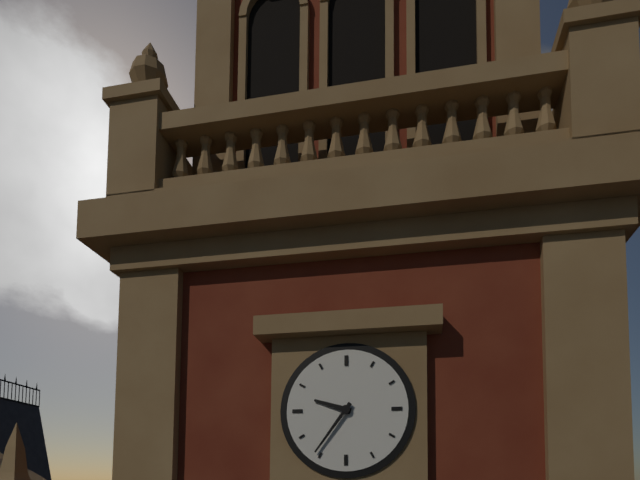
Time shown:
**9:36**
